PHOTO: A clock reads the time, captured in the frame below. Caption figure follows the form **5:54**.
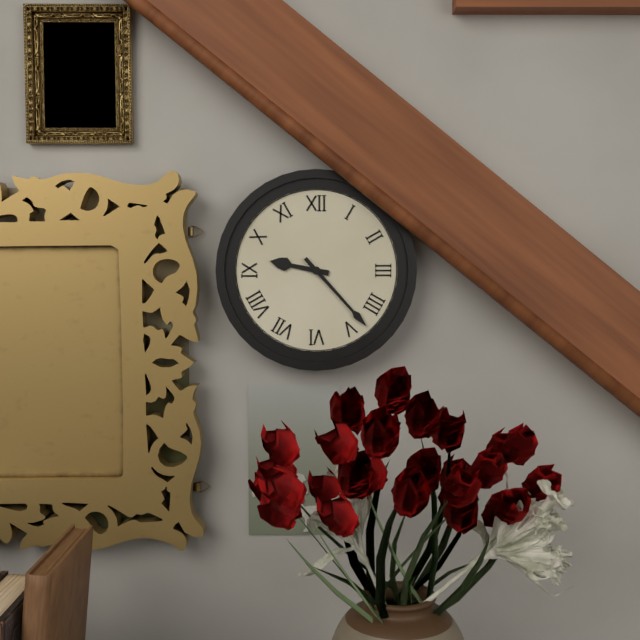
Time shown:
**9:23**
